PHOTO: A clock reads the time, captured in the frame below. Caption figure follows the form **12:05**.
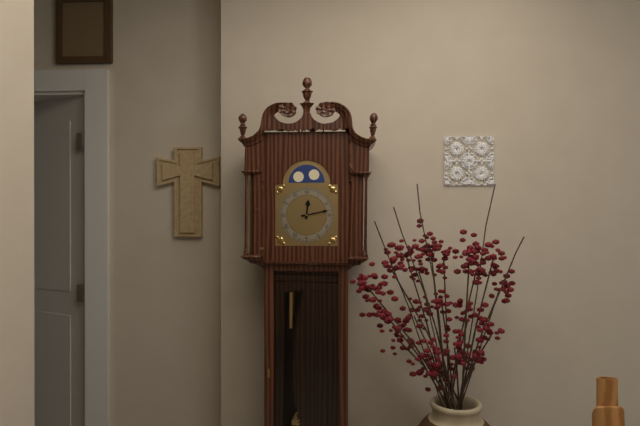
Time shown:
**12:13**
